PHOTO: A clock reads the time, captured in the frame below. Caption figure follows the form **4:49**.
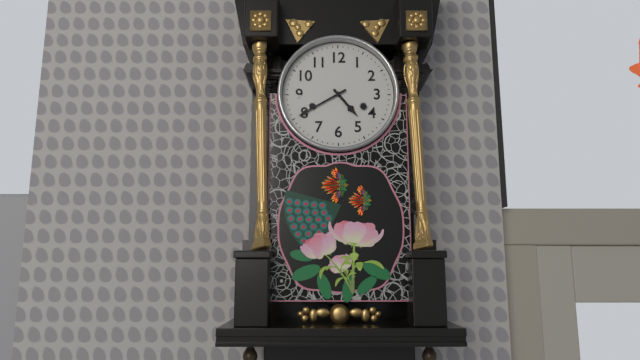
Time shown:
**4:40**
